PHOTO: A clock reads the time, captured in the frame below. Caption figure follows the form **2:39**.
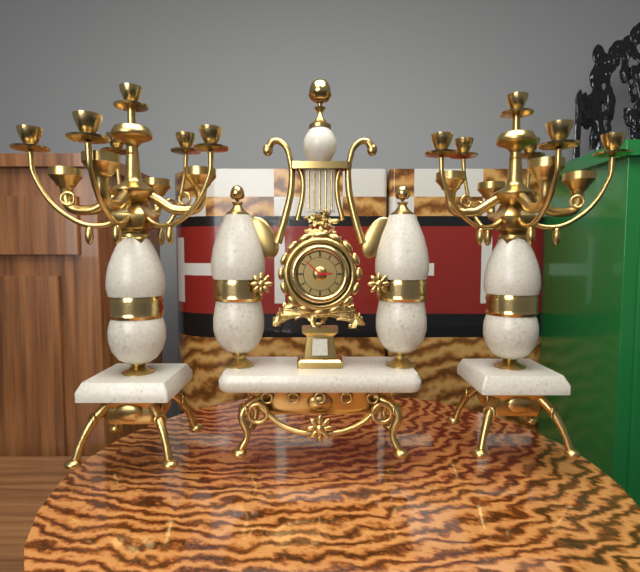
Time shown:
**2:52**
